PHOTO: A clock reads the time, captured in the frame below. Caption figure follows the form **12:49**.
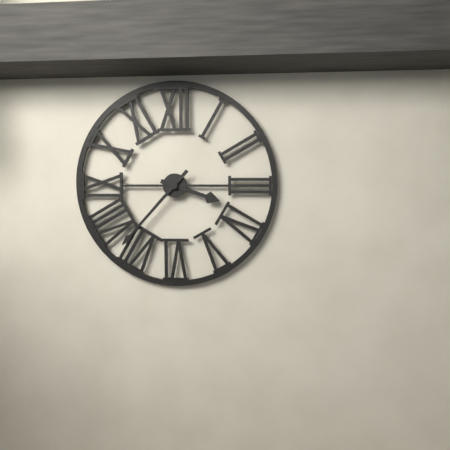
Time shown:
**3:37**
